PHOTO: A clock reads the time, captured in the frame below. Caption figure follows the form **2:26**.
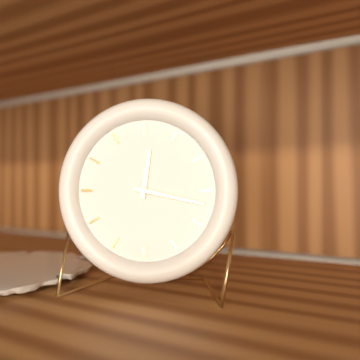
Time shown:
**12:17**
